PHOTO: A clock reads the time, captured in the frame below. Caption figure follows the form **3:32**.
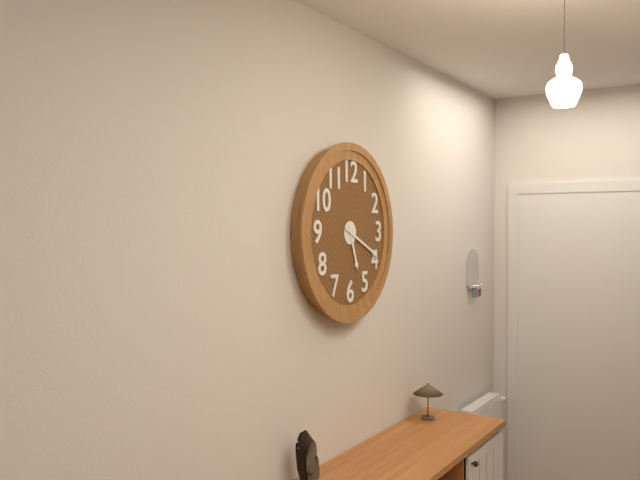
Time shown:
**5:19**
